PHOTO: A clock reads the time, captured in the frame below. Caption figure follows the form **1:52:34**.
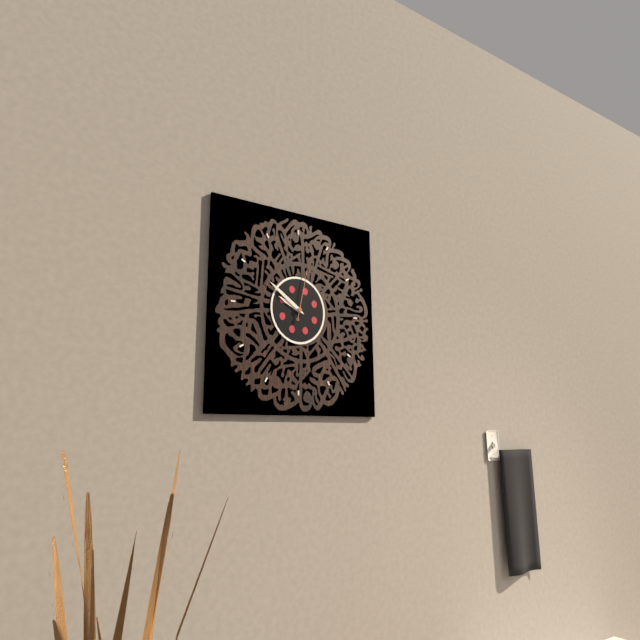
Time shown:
**9:51:02**
